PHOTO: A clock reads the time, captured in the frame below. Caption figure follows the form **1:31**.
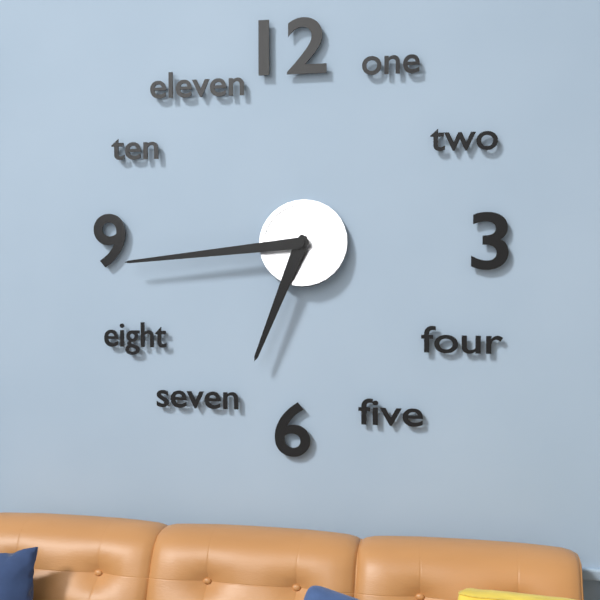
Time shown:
**6:44**
